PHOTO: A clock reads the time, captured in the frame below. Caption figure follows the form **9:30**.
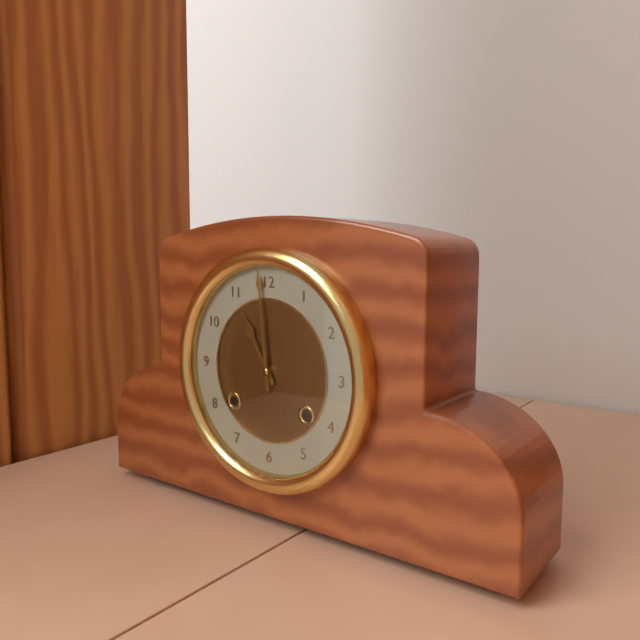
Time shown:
**10:59**
